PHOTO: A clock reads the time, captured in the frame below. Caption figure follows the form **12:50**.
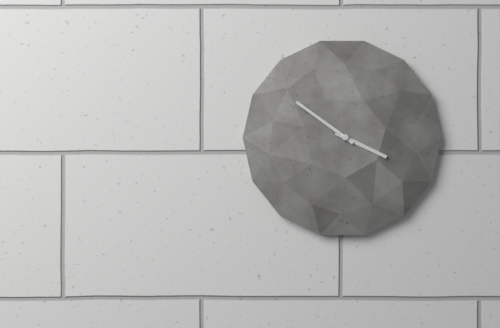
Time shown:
**3:51**
